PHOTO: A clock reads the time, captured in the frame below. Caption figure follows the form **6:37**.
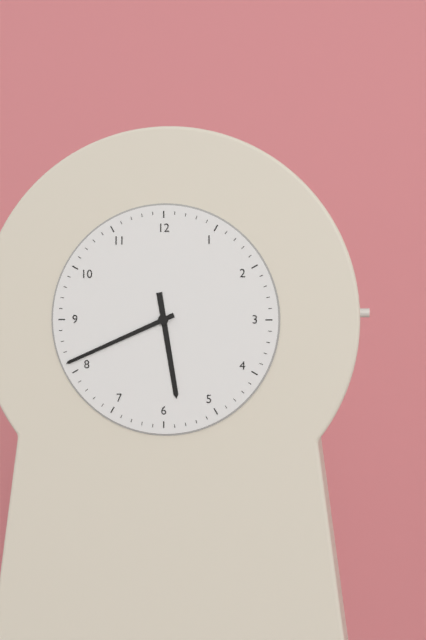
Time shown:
**5:41**
